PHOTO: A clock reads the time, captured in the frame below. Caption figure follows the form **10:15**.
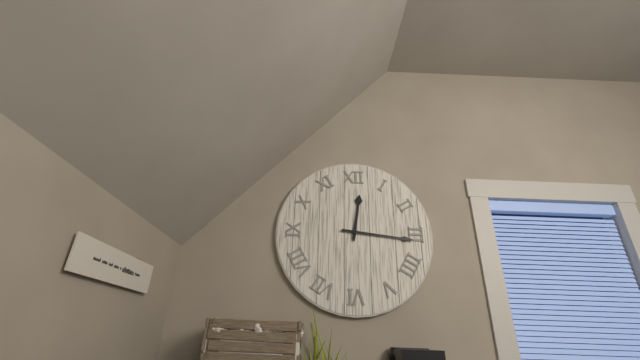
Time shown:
**12:16**
